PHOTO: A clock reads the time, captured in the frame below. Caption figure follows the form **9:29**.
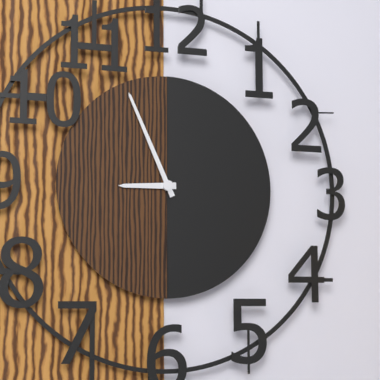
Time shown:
**8:56**
